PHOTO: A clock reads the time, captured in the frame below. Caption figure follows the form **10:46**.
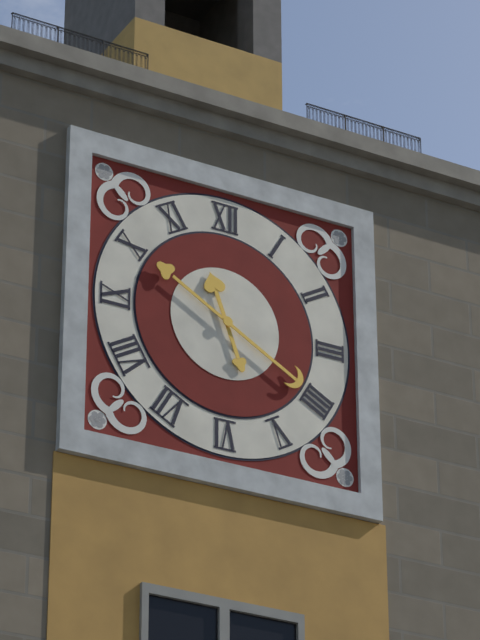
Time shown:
**11:20**
